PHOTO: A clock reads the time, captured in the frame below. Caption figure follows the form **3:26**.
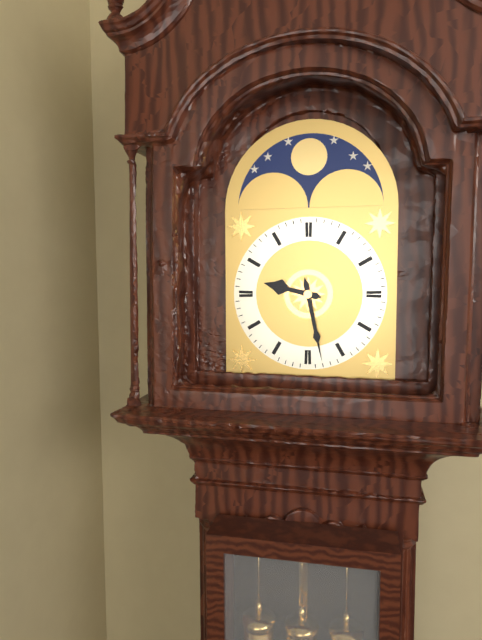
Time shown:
**9:28**
